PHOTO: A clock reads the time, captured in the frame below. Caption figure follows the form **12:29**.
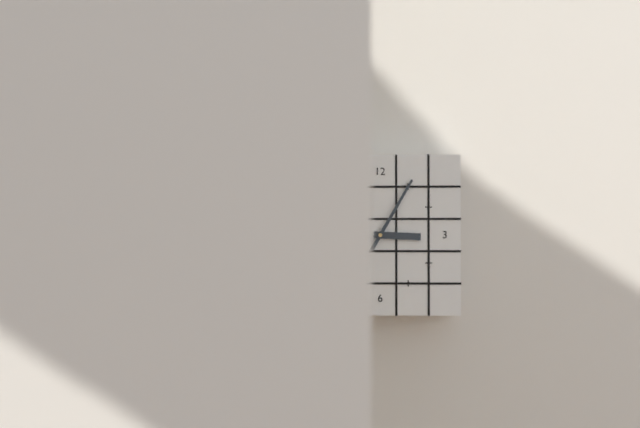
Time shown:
**3:05**
